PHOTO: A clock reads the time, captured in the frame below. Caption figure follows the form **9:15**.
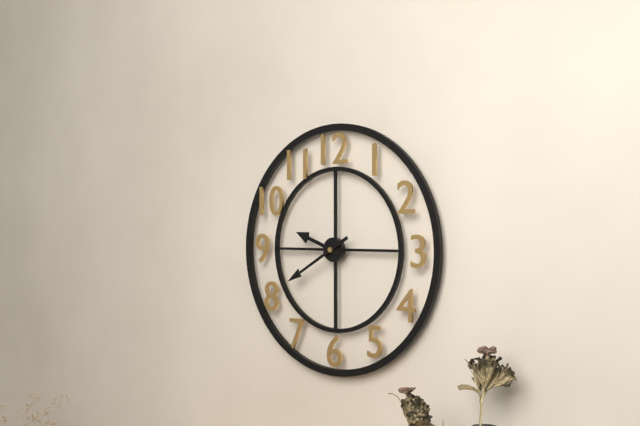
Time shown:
**9:40**
